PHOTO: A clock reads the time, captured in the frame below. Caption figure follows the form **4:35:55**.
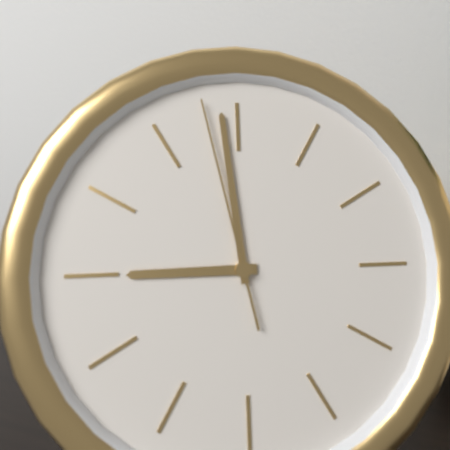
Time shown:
**8:59:58**
